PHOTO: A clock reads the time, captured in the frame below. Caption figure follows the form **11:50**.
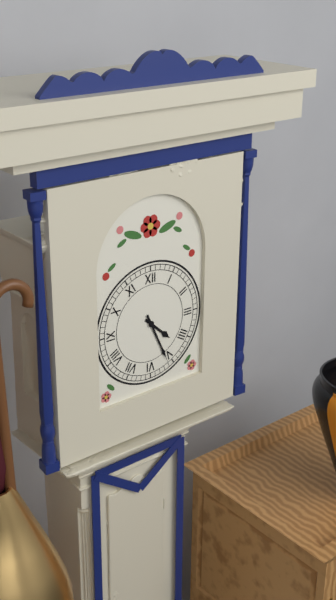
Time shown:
**4:26**
